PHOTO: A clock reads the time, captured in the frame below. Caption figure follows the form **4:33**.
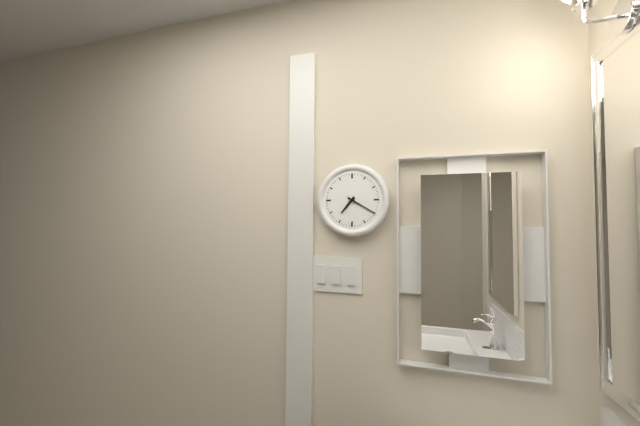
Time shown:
**7:20**
